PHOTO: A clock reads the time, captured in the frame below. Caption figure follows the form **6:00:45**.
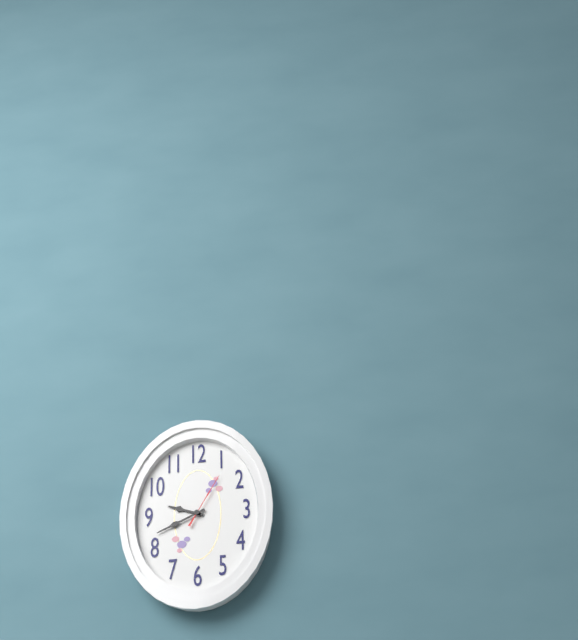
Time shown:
**9:41:05**
